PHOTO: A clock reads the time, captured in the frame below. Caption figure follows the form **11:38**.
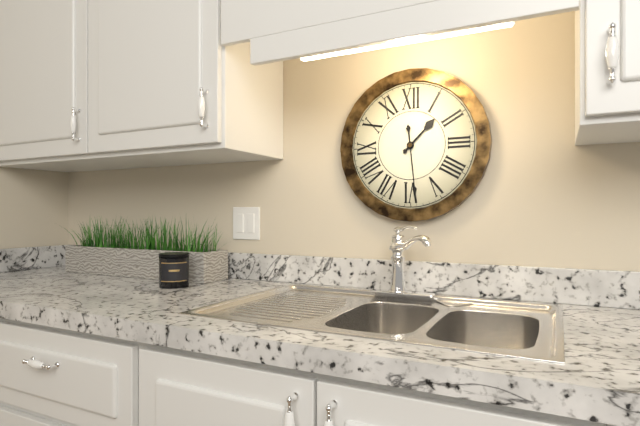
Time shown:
**1:29**
